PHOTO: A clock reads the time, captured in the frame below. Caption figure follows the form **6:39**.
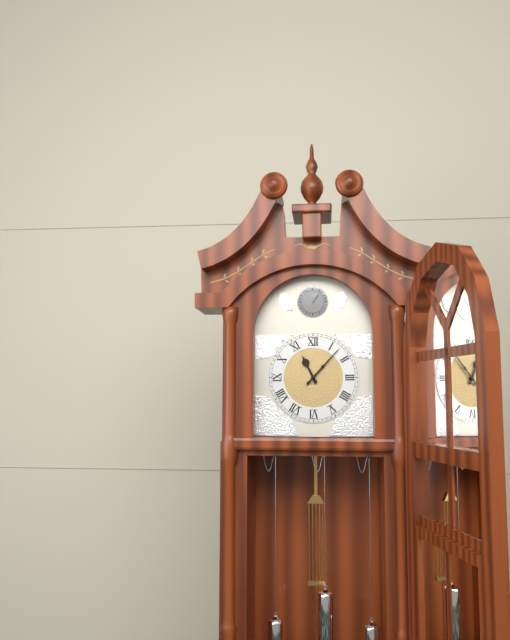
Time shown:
**11:07**
